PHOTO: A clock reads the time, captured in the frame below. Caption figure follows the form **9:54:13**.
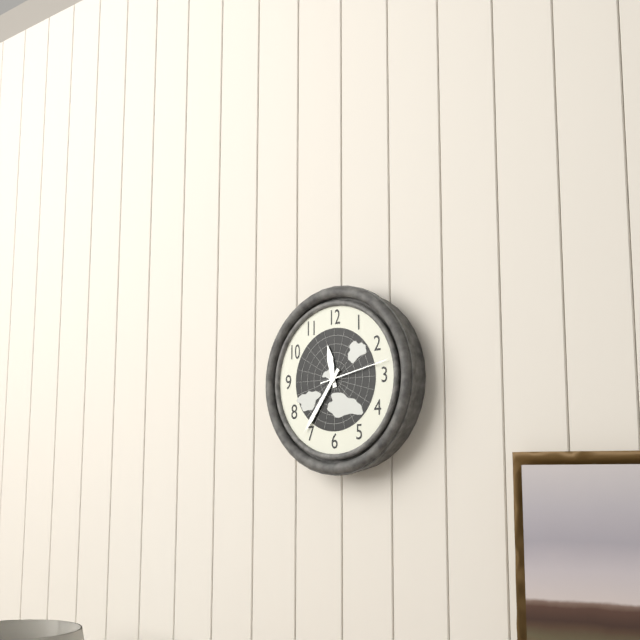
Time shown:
**11:36:13**
